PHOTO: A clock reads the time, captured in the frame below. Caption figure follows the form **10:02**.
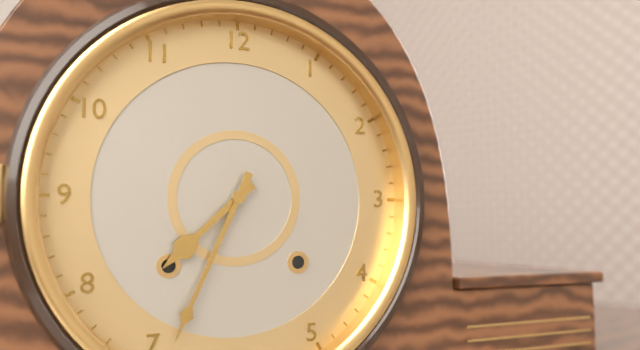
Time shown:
**7:34**
